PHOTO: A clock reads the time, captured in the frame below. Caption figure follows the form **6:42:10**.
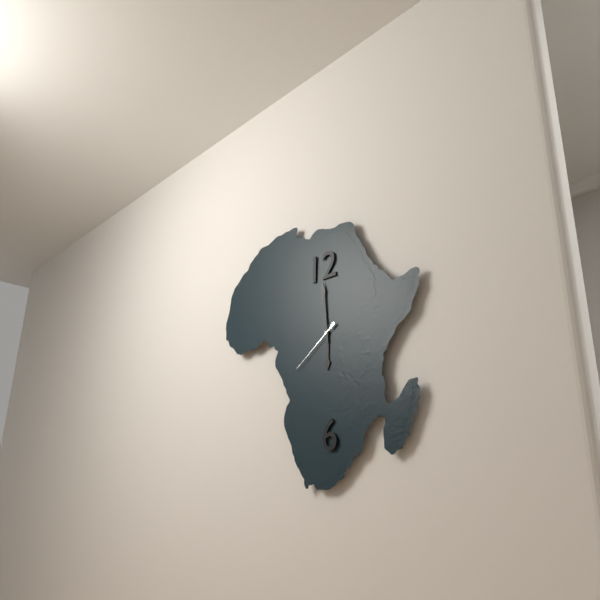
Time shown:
**5:59:39**
